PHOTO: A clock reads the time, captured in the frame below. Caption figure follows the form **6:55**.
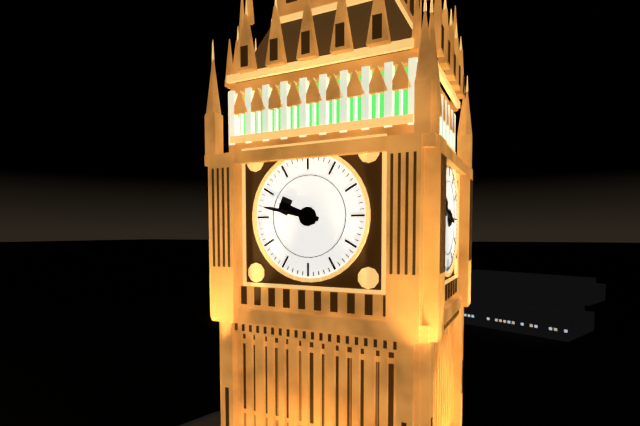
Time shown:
**9:47**
